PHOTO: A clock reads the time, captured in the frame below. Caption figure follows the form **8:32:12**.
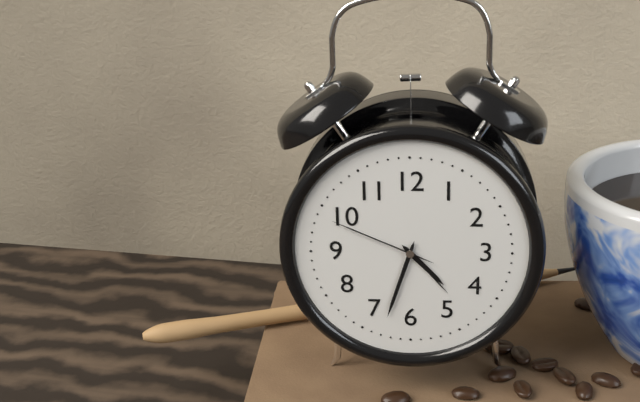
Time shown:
**4:33:49**
